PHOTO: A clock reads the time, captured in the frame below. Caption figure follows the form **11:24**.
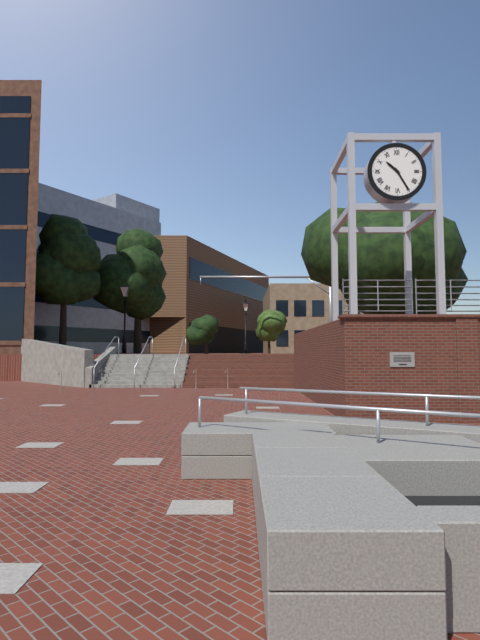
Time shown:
**10:25**
